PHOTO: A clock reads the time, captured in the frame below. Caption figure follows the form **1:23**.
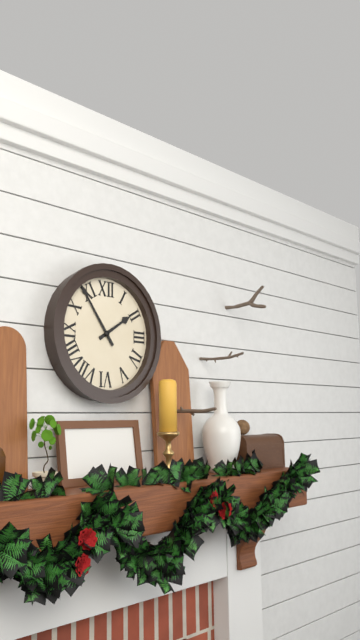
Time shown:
**1:54**
